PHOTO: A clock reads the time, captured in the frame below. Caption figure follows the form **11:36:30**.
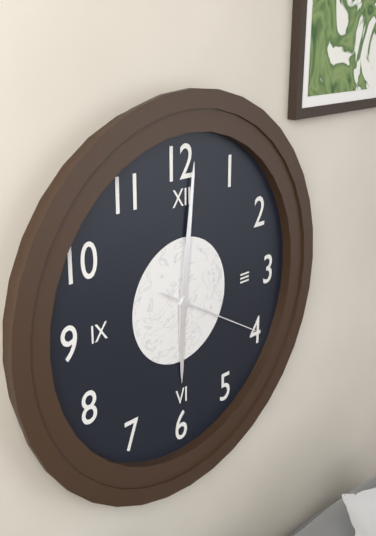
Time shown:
**6:01:20**
